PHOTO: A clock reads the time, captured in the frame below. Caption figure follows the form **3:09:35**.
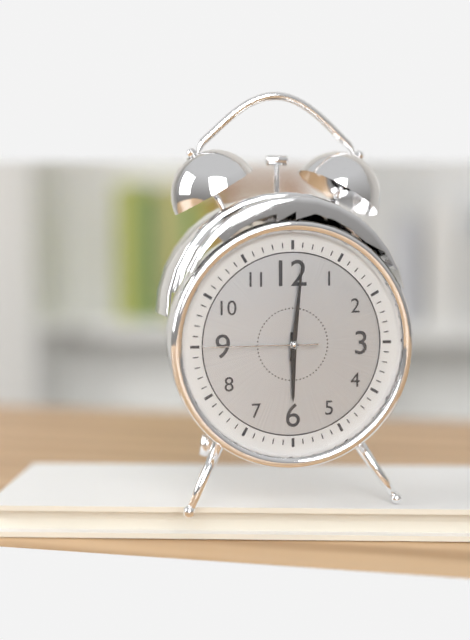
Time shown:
**6:01:45**
